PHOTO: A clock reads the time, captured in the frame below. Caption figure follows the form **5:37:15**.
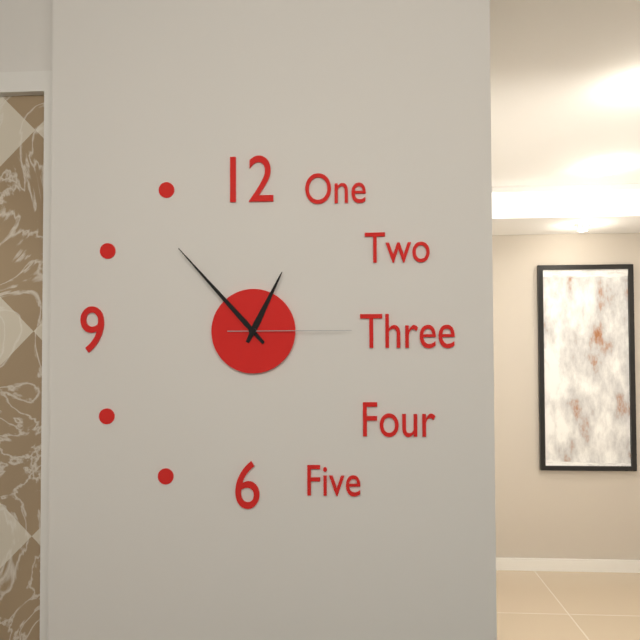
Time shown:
**12:53:15**
